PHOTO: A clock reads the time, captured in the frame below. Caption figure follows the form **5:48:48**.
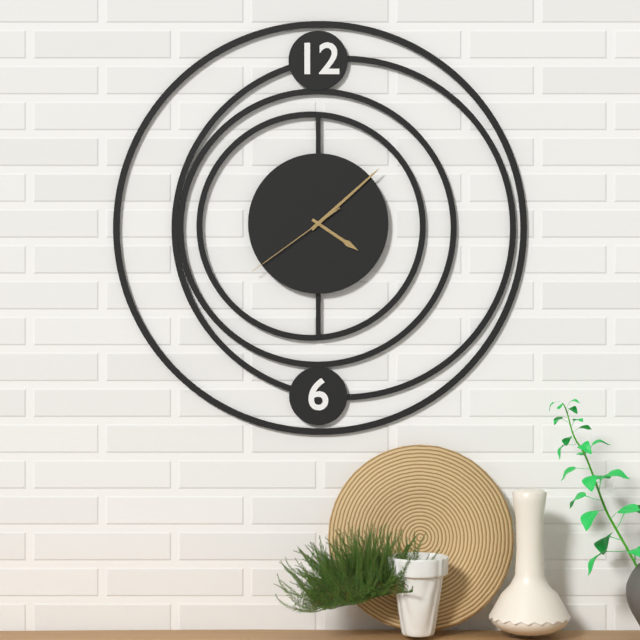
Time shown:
**4:08:39**
